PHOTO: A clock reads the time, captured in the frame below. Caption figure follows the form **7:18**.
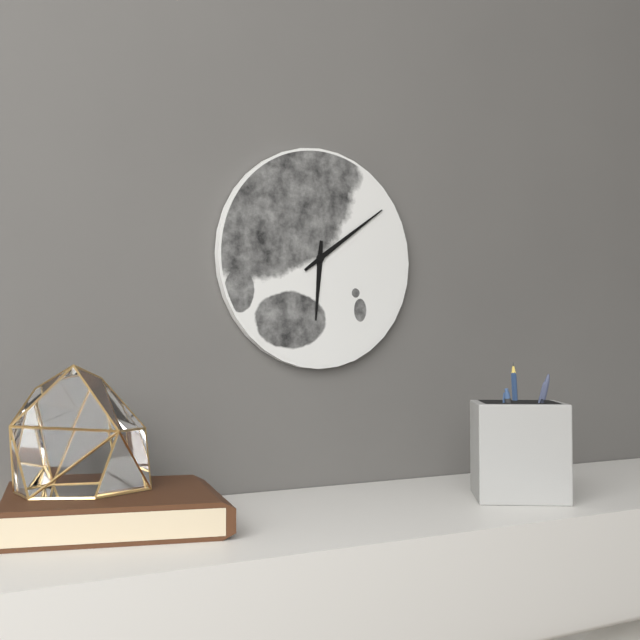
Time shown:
**6:09**
